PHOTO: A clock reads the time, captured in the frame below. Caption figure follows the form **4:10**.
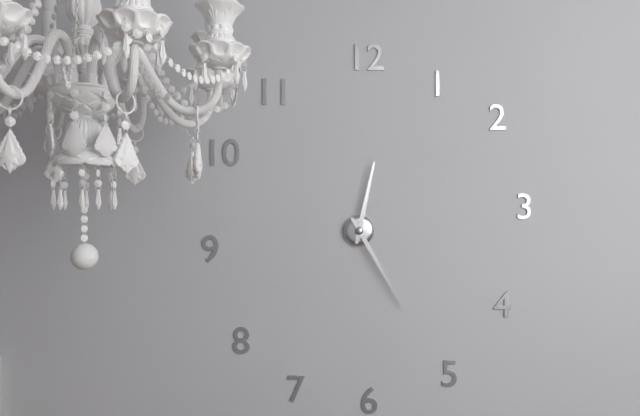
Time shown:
**12:25**
